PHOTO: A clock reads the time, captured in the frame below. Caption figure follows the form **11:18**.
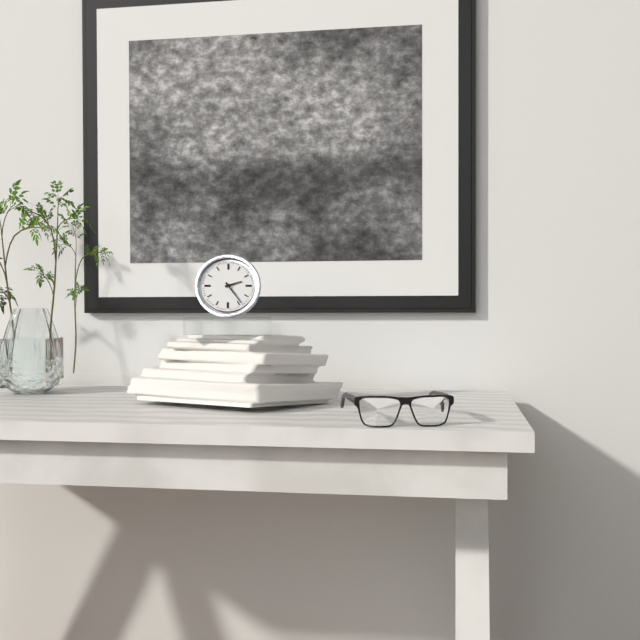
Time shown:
**2:24**
